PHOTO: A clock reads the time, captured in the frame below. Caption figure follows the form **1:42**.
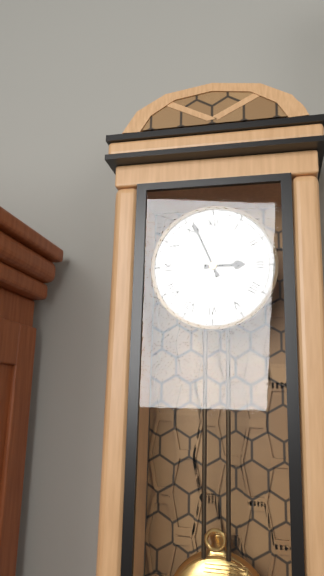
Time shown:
**2:56**
